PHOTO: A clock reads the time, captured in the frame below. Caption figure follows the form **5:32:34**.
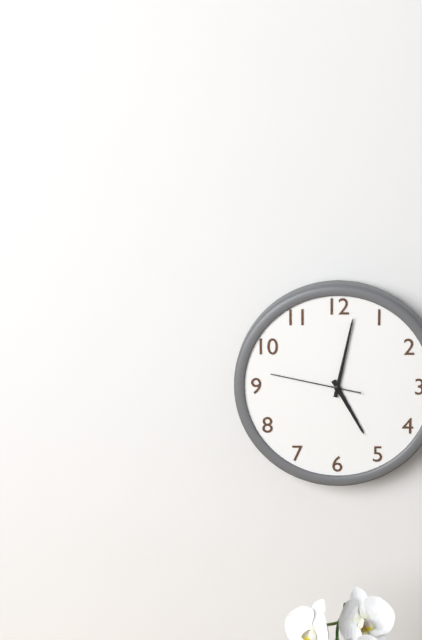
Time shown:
**5:02:47**
